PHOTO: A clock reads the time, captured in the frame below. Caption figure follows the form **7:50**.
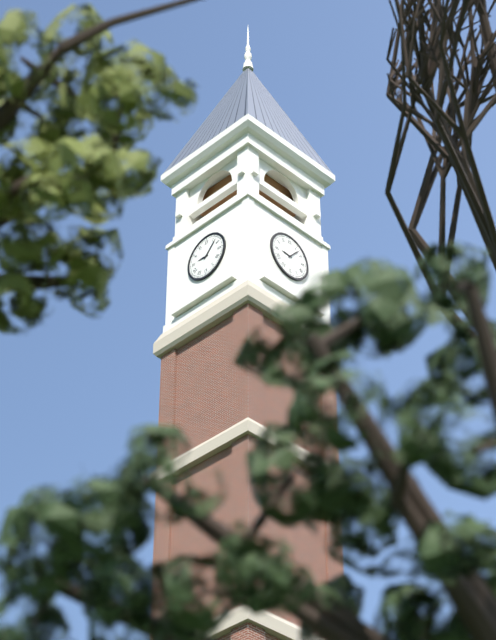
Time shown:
**9:07**
